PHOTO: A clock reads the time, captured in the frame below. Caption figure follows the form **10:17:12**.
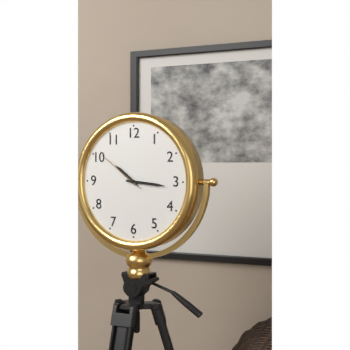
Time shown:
**10:16:51**
